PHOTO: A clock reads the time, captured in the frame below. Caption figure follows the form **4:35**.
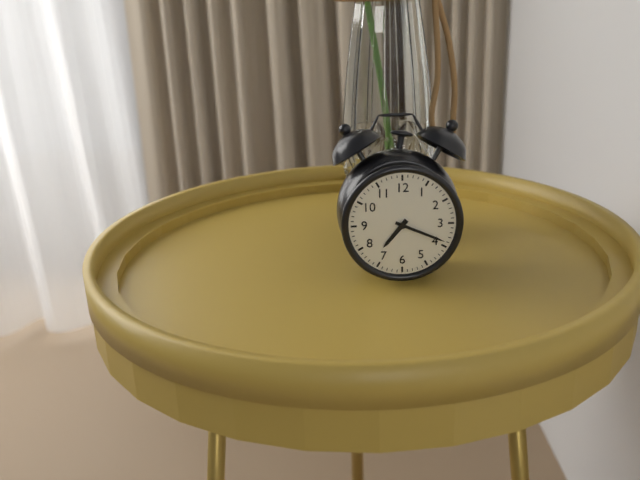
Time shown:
**7:19**
